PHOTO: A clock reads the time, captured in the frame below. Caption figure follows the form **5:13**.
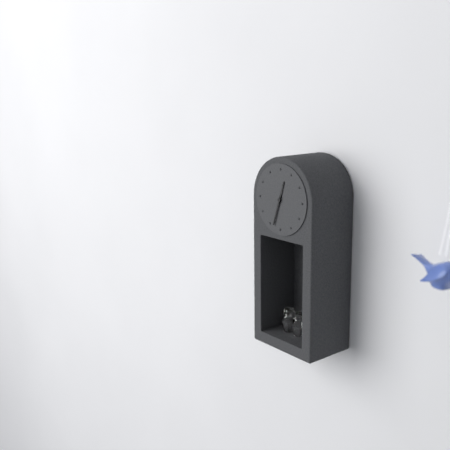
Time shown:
**12:33**
